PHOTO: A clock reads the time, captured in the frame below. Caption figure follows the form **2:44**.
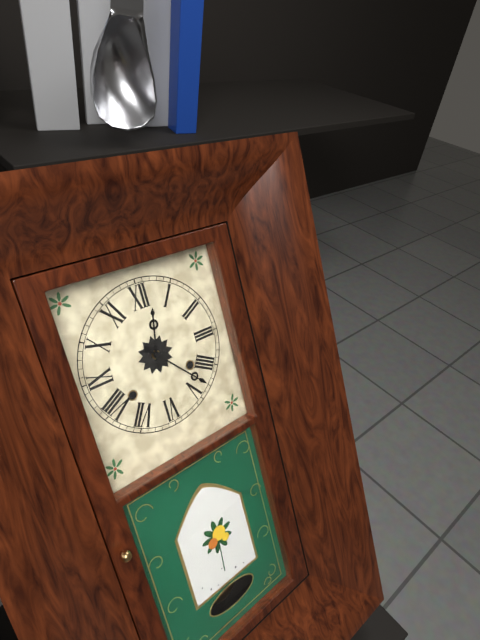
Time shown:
**12:23**
